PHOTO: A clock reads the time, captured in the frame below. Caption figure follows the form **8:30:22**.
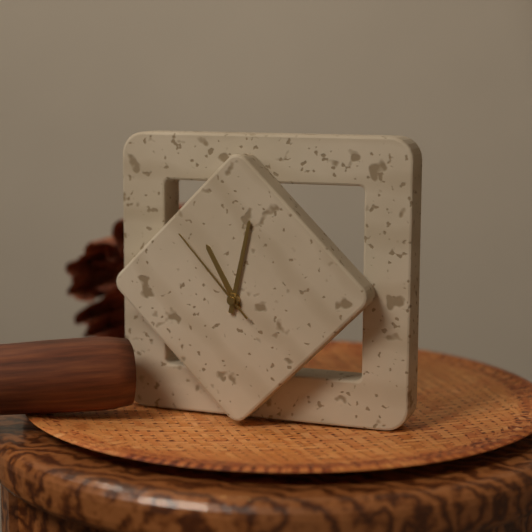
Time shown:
**11:02:53**
